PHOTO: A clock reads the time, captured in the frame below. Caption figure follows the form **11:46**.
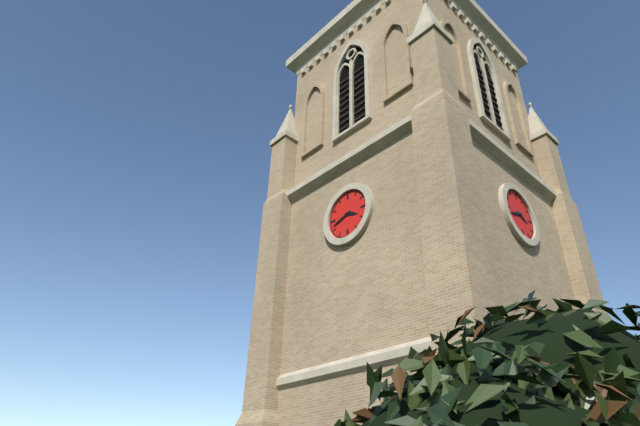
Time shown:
**3:42**
